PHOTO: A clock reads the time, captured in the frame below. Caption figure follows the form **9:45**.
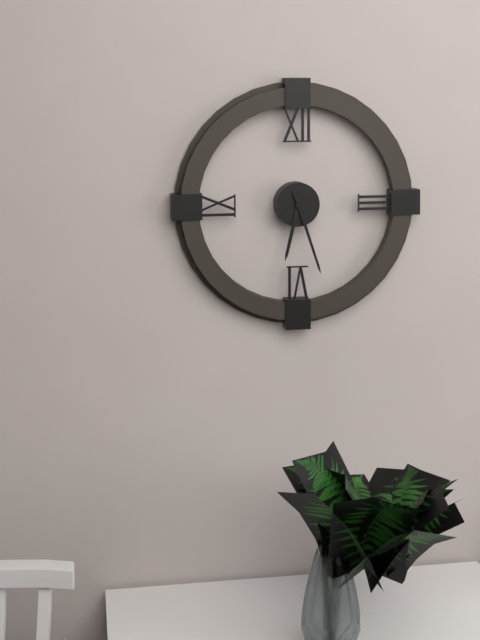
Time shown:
**6:27**
